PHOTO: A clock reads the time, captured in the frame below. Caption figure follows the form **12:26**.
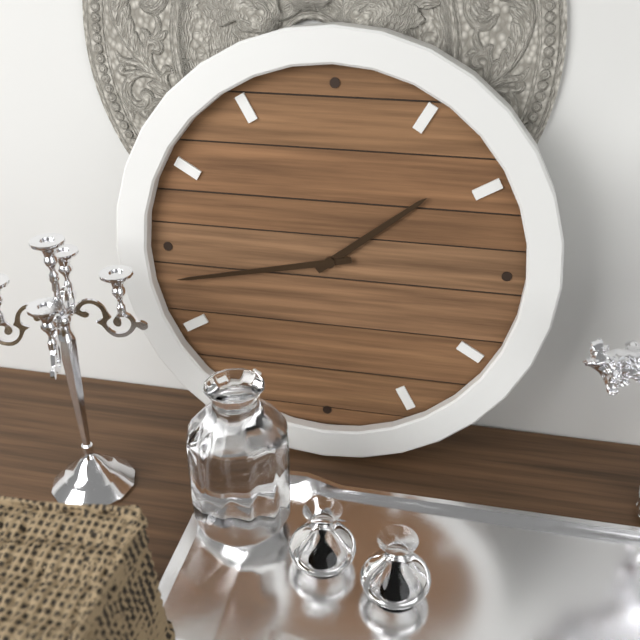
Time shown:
**1:43**
